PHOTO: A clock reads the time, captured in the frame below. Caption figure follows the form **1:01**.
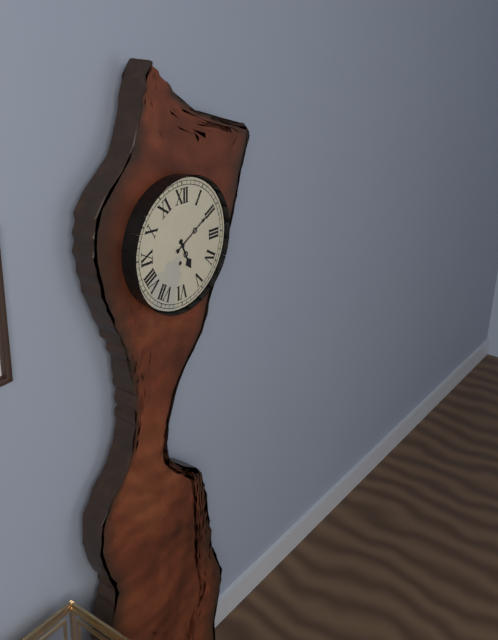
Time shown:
**5:10**
